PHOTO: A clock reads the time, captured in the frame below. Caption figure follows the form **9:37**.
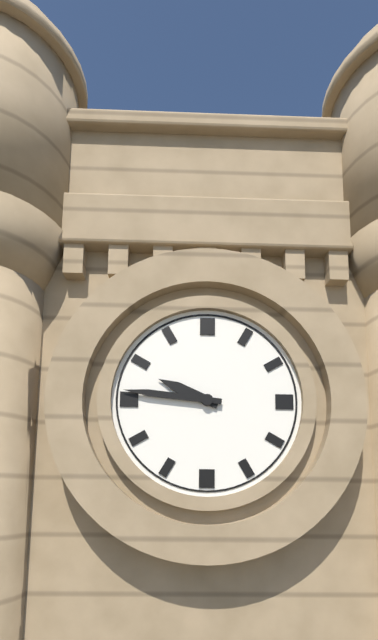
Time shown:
**9:46**
